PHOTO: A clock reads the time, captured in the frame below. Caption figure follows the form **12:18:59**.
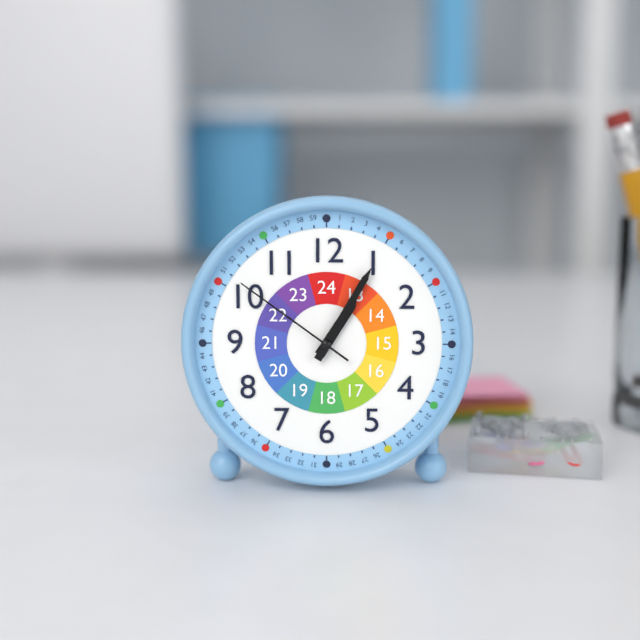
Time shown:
**1:05:51**
